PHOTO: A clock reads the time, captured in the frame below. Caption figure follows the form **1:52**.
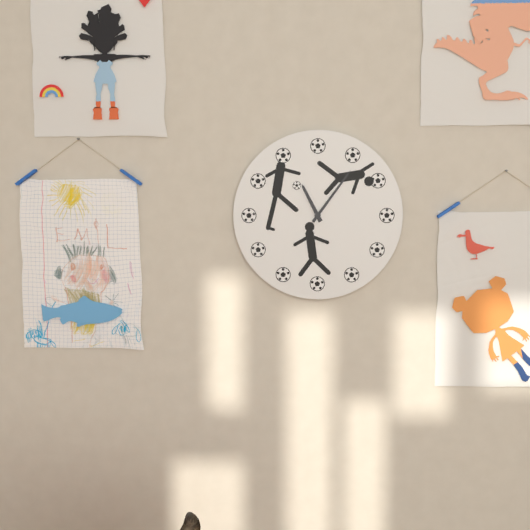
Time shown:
**11:06**
